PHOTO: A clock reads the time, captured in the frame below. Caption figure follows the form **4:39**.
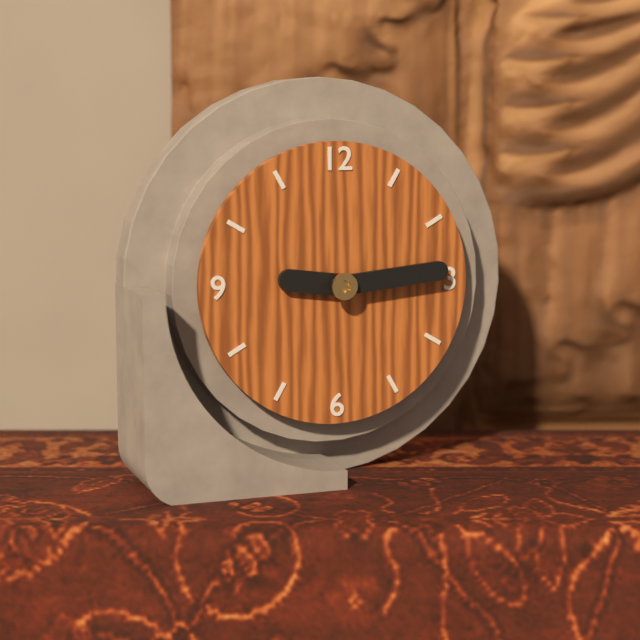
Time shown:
**9:14**
